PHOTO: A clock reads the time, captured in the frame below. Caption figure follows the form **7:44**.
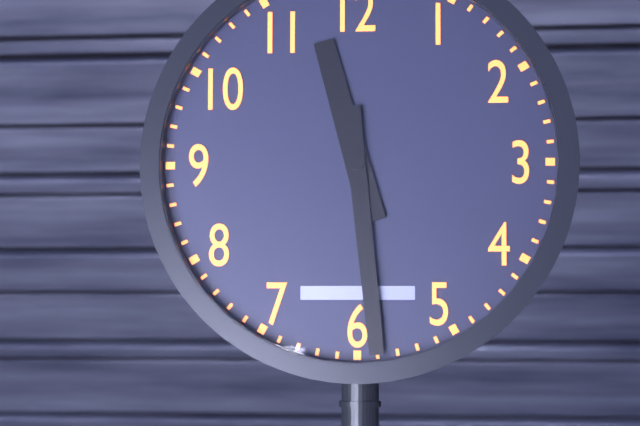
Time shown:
**11:29**
